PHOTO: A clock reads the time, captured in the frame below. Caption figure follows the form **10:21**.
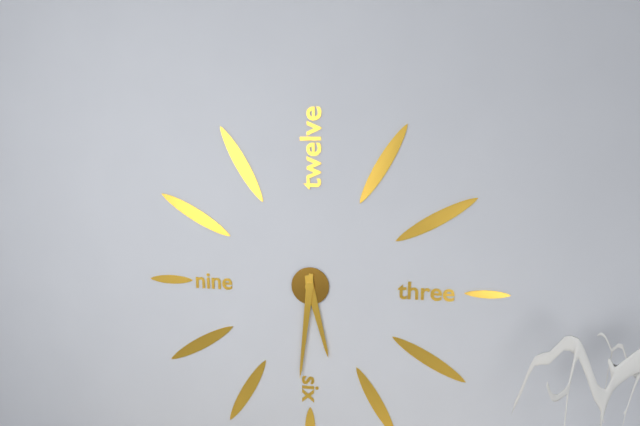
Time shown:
**5:31**
